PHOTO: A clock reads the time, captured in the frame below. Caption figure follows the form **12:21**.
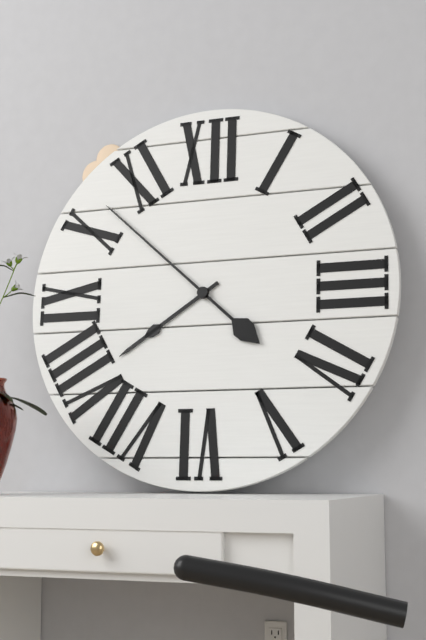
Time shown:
**7:52**
